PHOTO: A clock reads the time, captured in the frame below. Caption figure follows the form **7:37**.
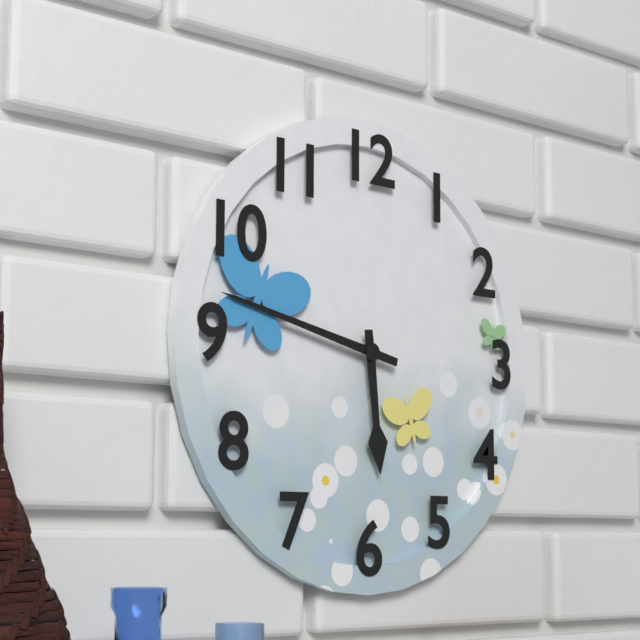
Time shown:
**5:47**
